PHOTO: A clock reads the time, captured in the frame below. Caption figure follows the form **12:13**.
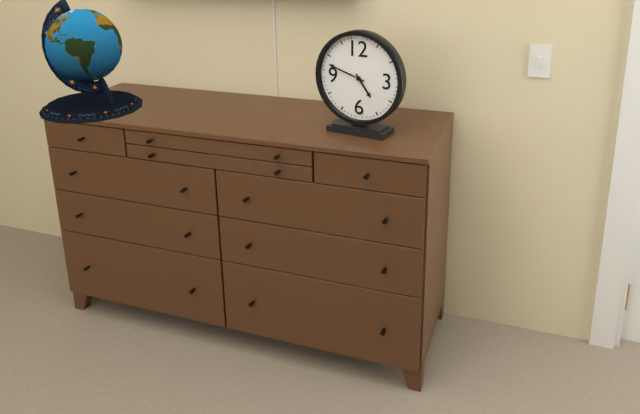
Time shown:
**4:48**
